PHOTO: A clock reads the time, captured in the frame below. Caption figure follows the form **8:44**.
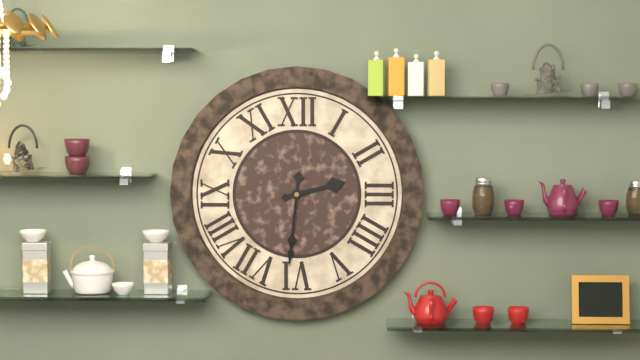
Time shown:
**2:31**
